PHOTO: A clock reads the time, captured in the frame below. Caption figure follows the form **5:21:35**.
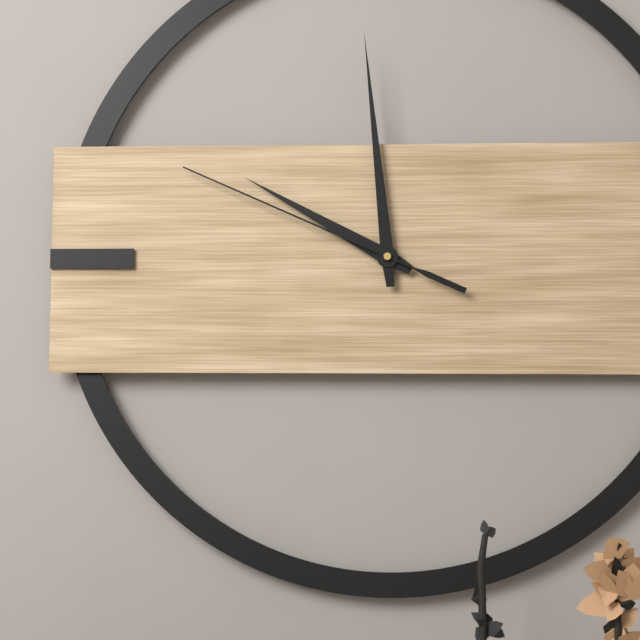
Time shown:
**9:59:49**
